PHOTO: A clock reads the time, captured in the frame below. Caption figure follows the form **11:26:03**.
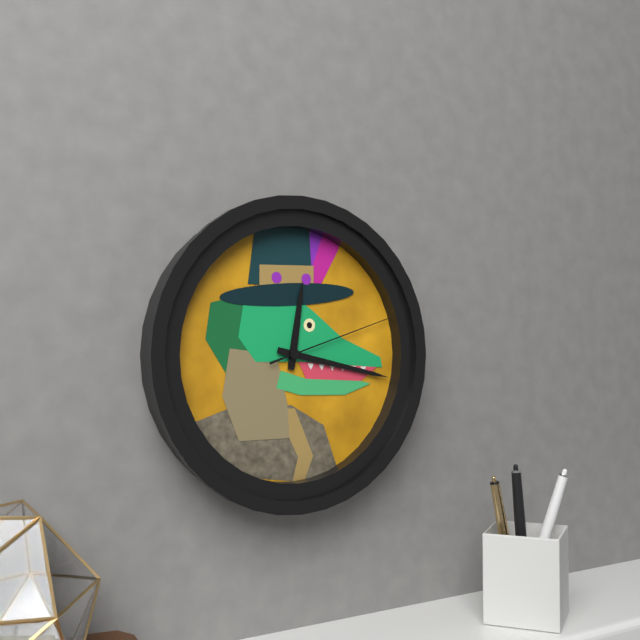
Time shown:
**12:17:12**
